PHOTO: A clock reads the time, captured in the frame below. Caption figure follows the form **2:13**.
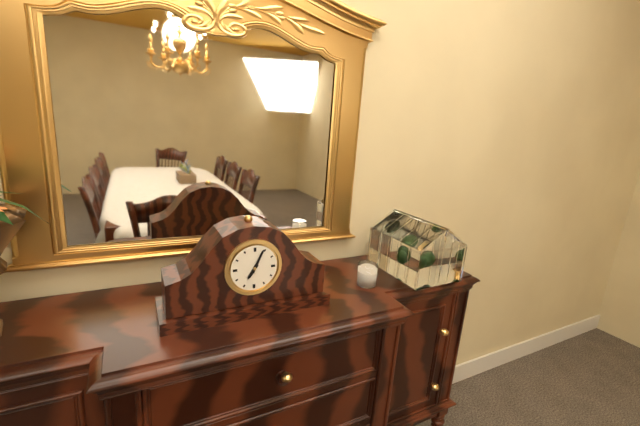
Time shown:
**7:04**
